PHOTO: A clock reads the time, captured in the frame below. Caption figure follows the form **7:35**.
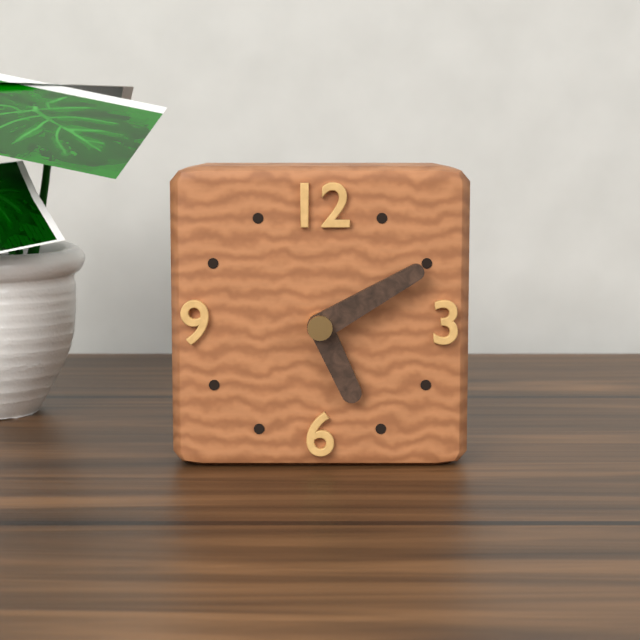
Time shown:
**5:10**
